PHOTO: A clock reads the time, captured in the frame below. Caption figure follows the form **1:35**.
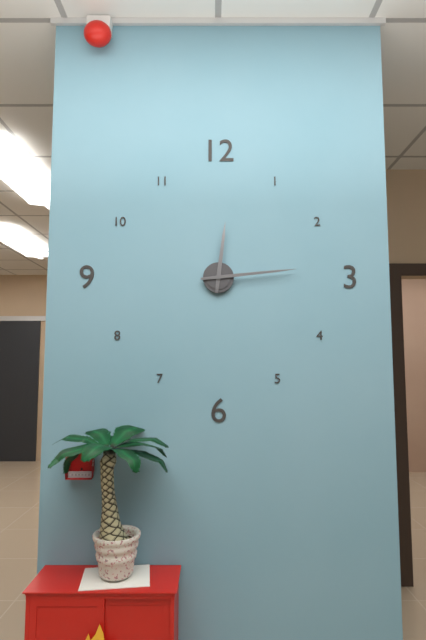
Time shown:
**12:14**
